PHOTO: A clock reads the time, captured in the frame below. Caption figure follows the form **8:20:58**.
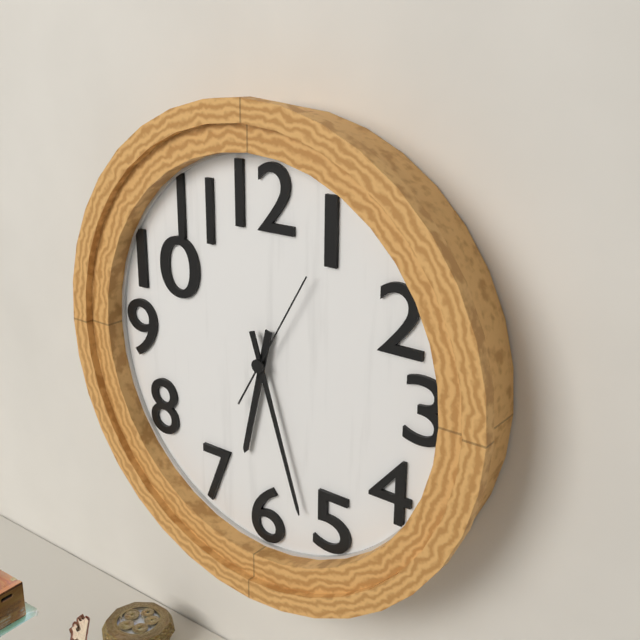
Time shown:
**6:27:05**
